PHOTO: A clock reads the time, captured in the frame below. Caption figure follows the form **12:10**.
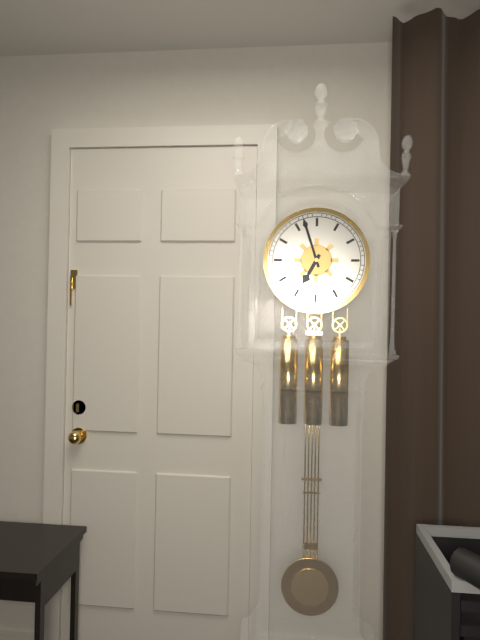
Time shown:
**6:57**
